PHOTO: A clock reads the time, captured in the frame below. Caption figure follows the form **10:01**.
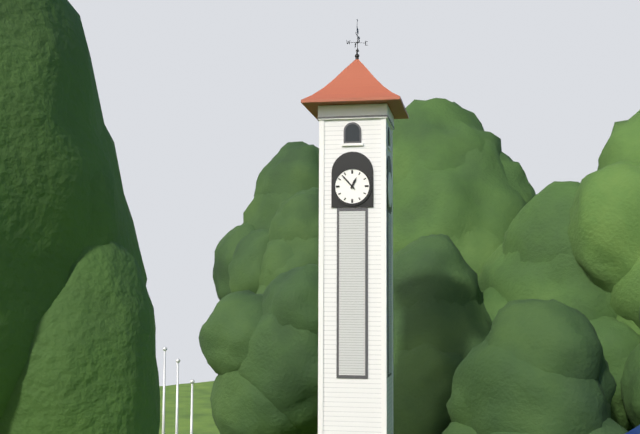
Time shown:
**12:53**
